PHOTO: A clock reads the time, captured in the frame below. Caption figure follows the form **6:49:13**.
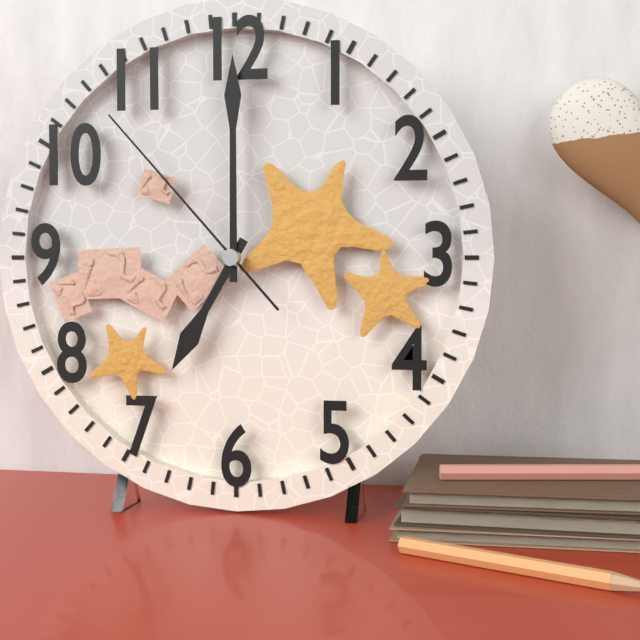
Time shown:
**7:00:53**
